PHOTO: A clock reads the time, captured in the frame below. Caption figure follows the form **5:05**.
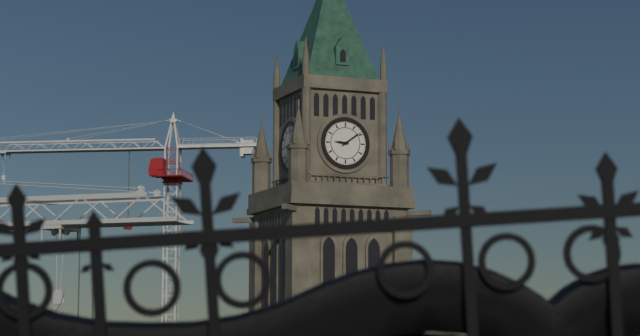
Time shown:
**9:09**
